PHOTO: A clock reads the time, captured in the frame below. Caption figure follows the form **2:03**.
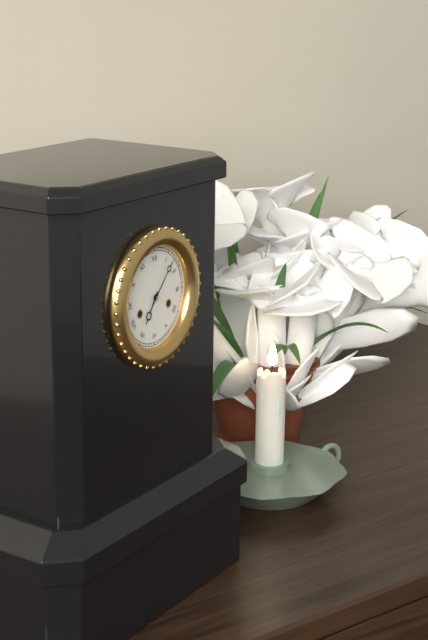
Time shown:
**7:07**
